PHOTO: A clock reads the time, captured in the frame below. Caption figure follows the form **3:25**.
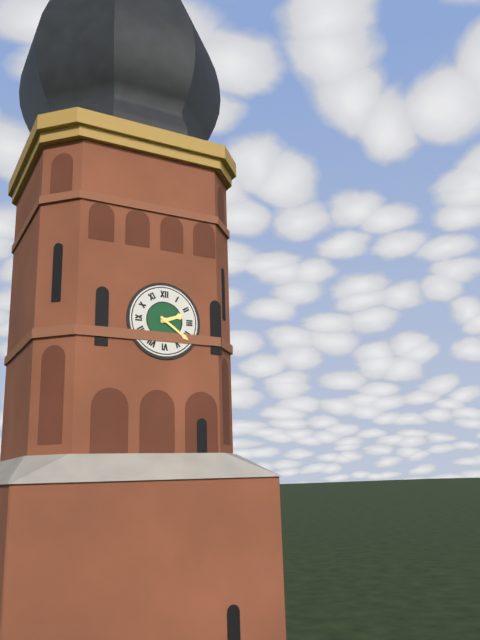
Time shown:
**2:21**
